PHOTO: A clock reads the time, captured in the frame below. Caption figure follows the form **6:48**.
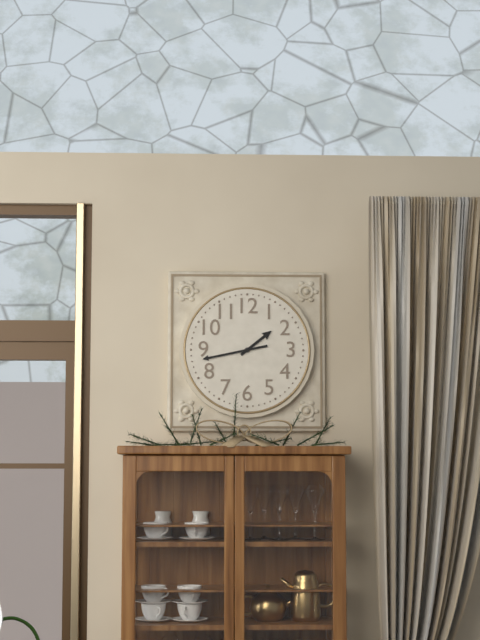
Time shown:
**1:43**
